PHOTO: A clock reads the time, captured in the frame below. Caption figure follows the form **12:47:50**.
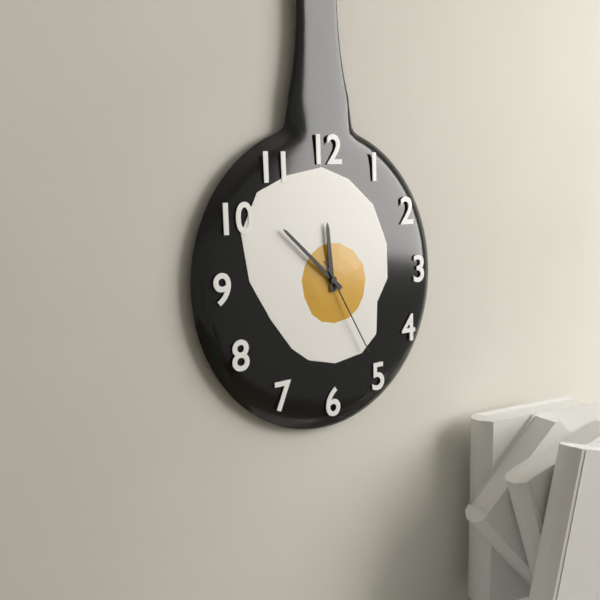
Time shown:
**11:52:25**
